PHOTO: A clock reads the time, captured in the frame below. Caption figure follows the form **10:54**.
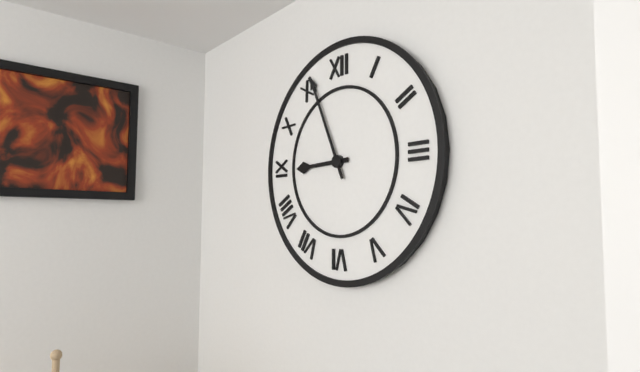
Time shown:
**8:56**
